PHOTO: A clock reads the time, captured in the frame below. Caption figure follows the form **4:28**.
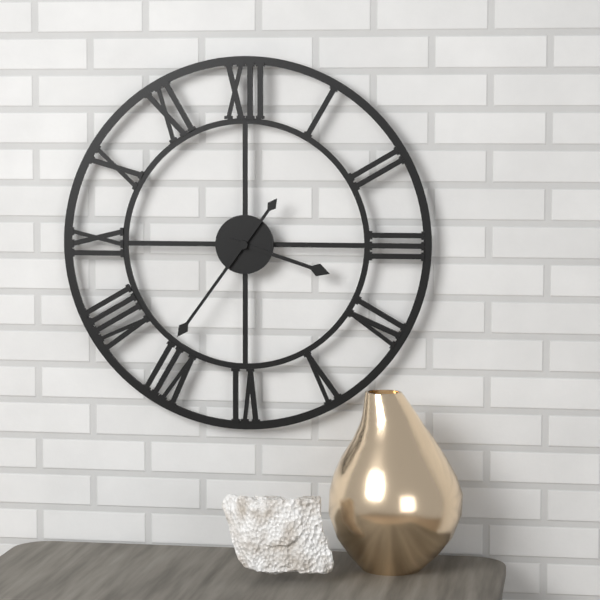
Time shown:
**3:36**
